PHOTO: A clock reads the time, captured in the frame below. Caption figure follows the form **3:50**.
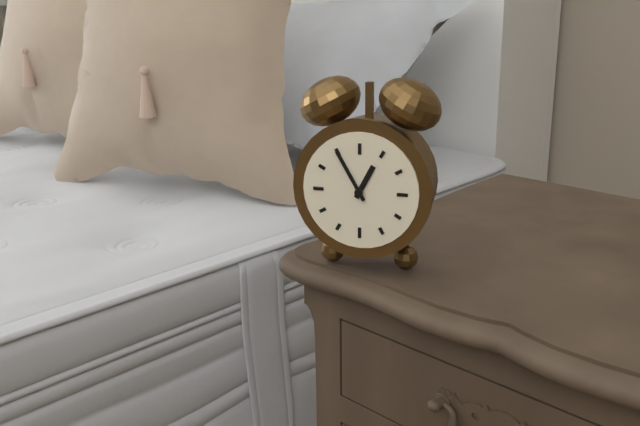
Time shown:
**12:55**
